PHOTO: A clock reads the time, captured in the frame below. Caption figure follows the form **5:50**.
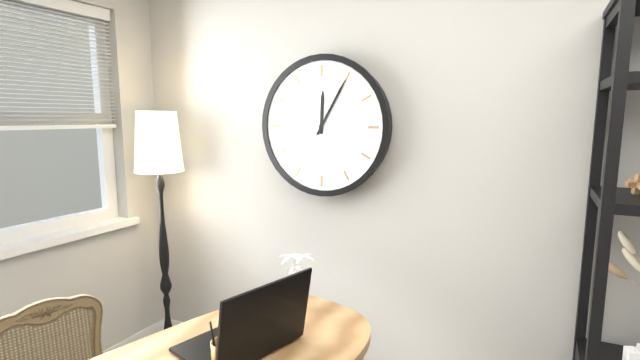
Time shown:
**12:05**
